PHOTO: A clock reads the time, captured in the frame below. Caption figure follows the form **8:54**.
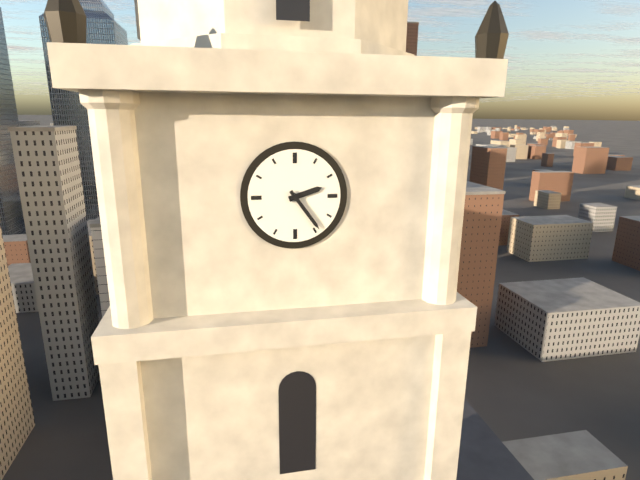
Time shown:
**2:24**
